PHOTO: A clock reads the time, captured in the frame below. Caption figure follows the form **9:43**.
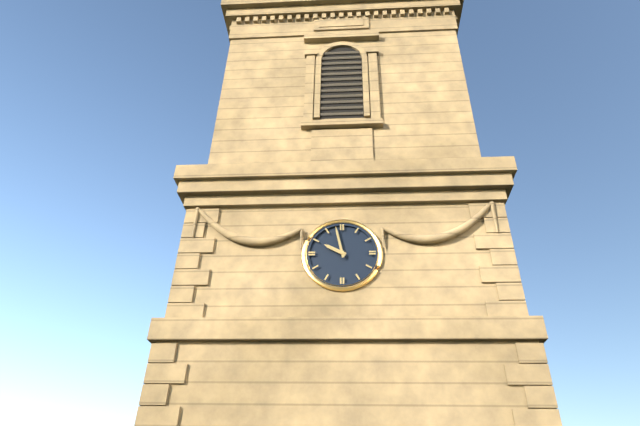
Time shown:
**9:58**
